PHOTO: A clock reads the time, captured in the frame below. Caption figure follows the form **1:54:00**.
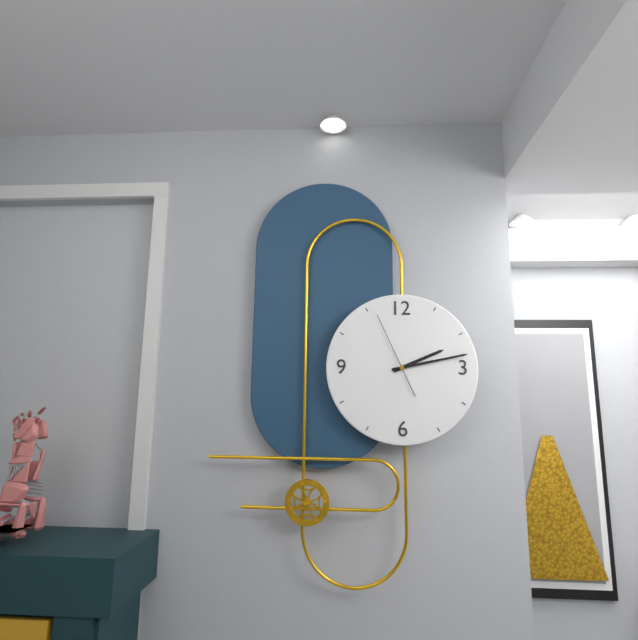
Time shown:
**2:13:56**
